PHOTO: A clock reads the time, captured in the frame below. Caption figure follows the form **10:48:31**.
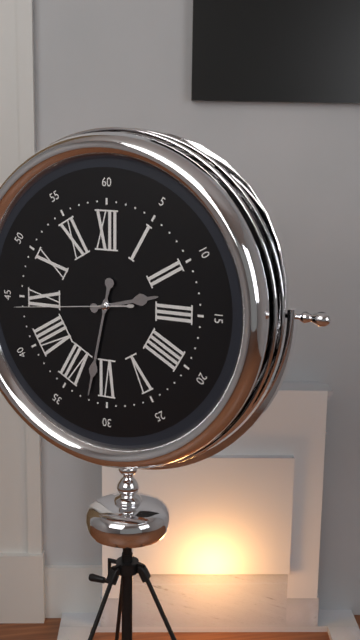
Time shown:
**2:32:44**
